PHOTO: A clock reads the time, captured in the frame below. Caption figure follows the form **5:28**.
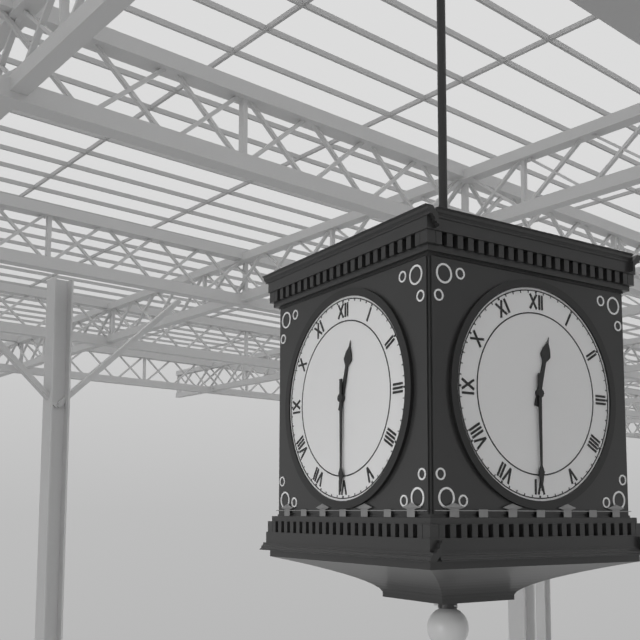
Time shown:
**12:30**
